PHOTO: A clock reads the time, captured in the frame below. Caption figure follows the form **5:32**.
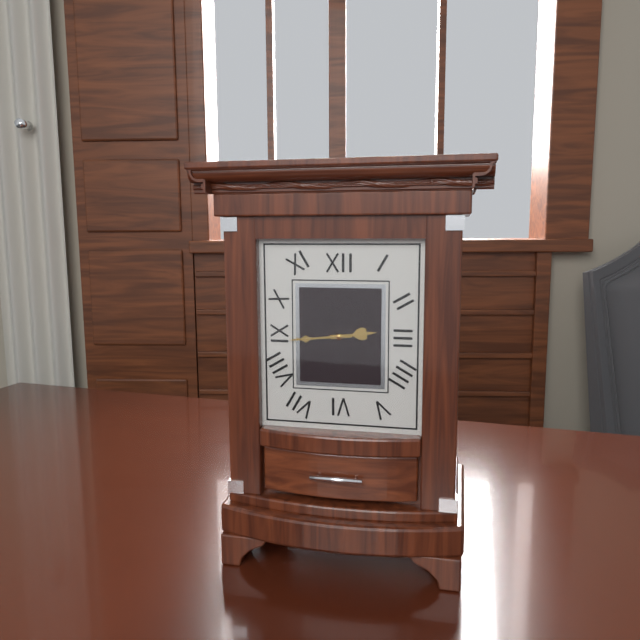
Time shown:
**2:44**
